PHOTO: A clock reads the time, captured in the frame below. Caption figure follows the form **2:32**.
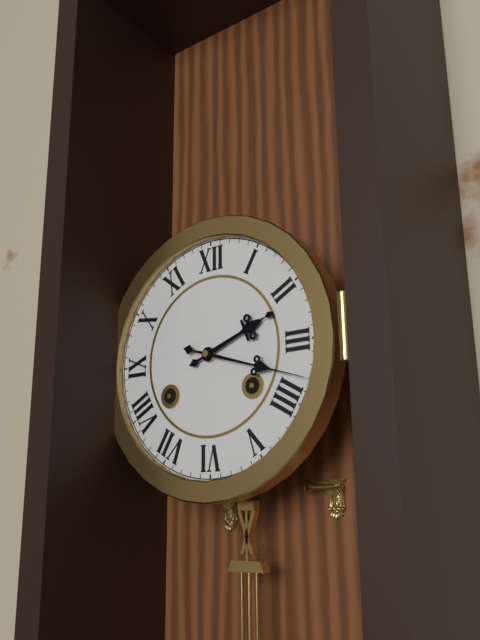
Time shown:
**2:18**
